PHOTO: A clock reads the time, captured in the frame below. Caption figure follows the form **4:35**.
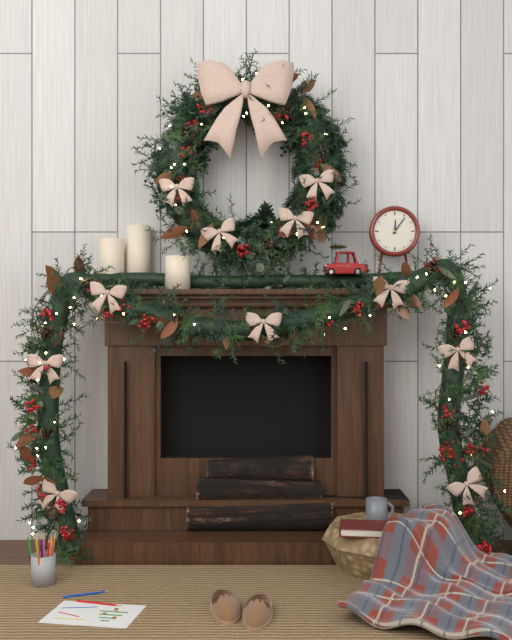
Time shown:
**12:06**
